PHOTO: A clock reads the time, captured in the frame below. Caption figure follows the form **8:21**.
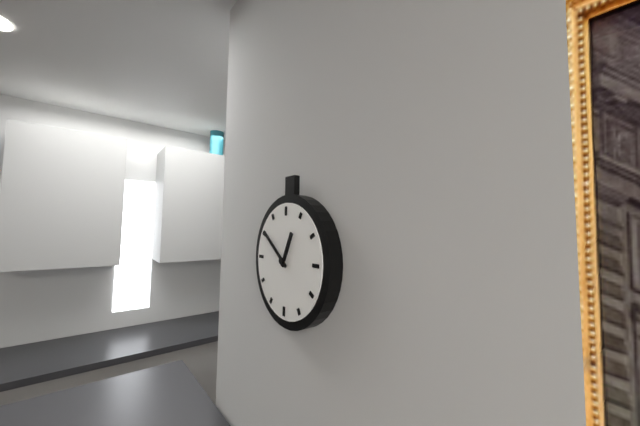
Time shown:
**12:51**
